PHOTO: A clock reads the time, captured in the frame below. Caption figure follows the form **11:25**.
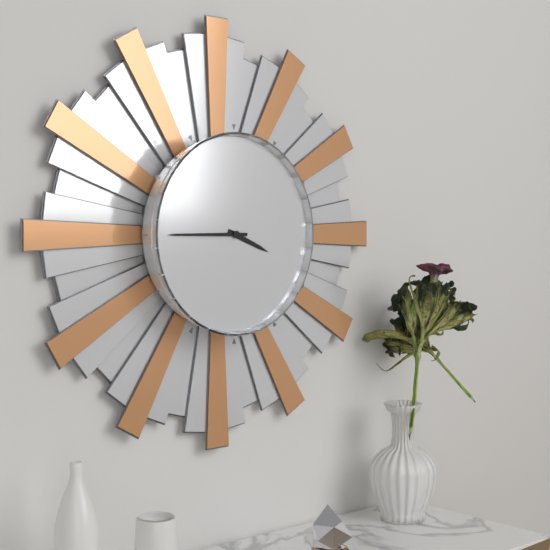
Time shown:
**3:45**
